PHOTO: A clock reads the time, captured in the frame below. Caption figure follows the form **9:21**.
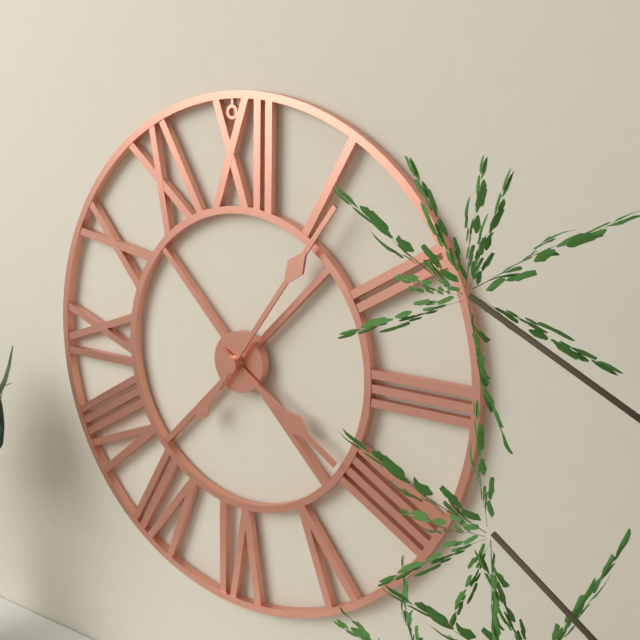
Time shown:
**4:06**
